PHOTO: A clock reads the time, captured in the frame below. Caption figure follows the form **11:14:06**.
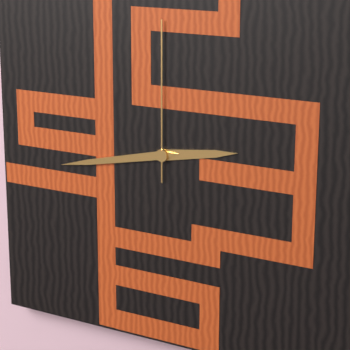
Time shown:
**2:43:00**
